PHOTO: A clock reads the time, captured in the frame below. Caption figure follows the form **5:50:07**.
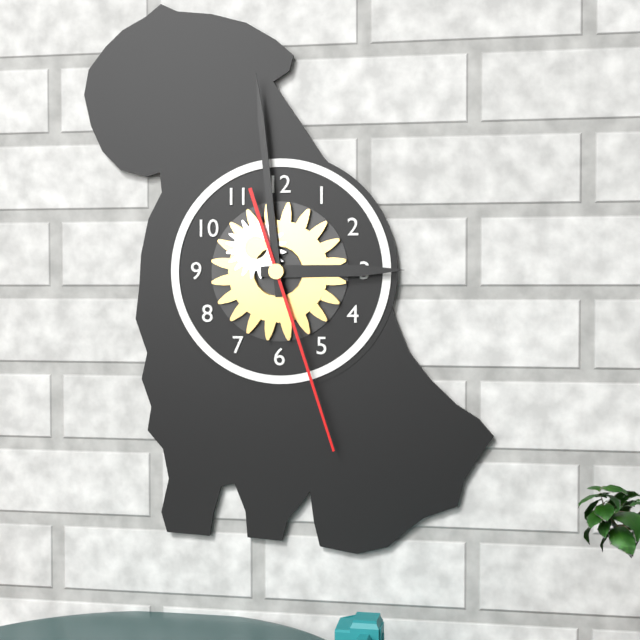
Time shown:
**2:59:27**
